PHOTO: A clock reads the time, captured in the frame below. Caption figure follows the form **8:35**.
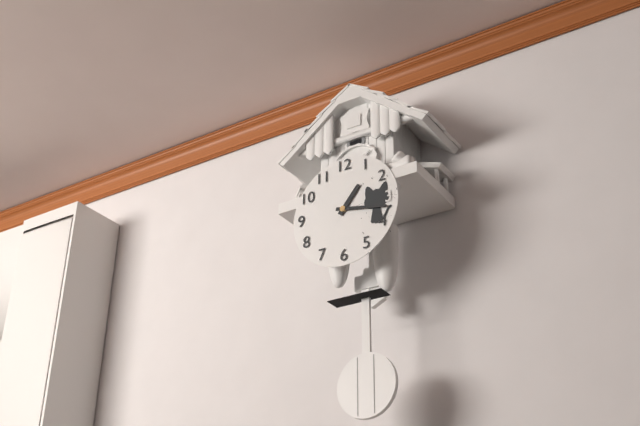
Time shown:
**1:17**
